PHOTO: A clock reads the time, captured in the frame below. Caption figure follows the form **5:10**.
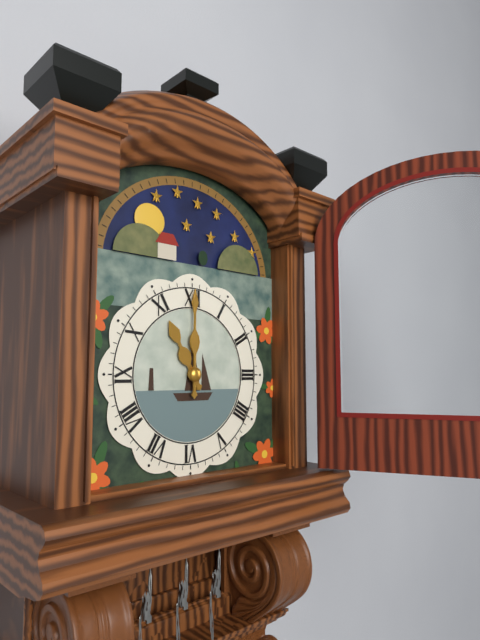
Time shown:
**11:00**
